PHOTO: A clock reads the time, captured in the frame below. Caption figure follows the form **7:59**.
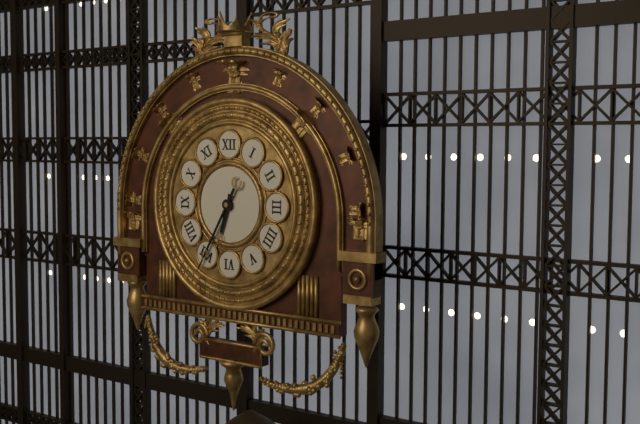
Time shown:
**6:35**
